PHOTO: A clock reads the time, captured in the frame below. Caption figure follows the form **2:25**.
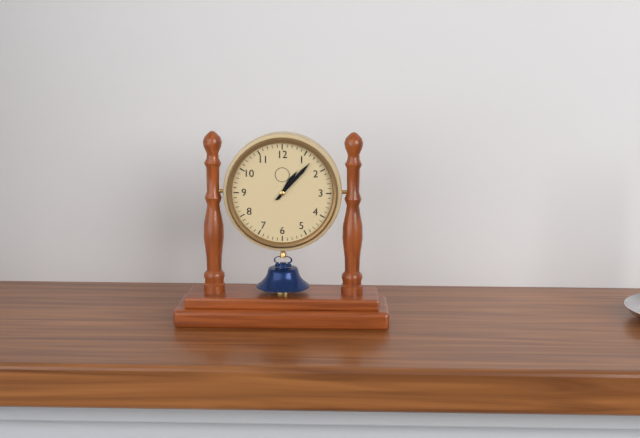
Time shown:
**1:07**
